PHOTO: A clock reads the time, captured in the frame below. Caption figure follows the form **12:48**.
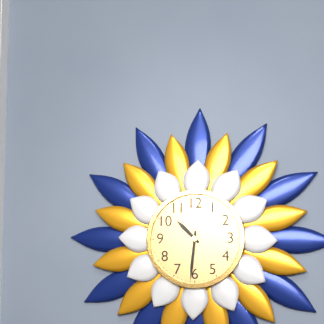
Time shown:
**10:31**
